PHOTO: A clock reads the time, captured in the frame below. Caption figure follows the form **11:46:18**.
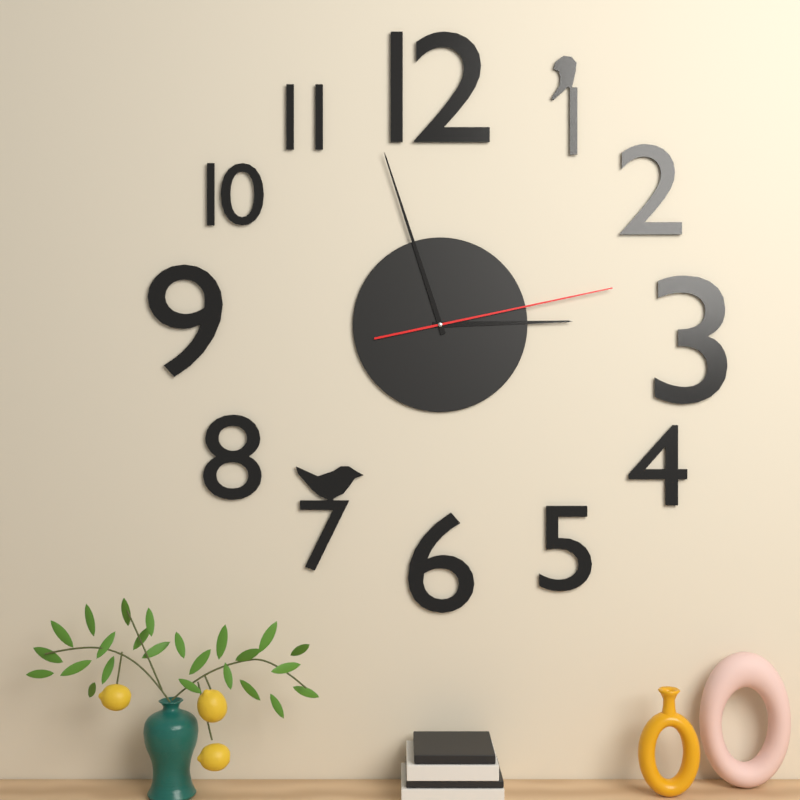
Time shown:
**2:57:13**
